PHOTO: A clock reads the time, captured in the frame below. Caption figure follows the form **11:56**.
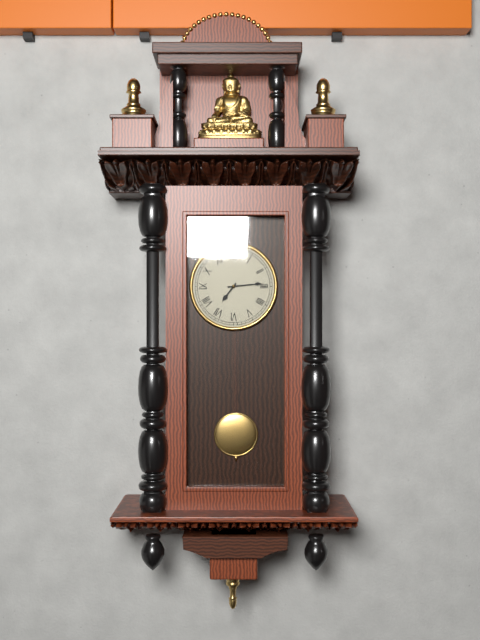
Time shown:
**7:14**
